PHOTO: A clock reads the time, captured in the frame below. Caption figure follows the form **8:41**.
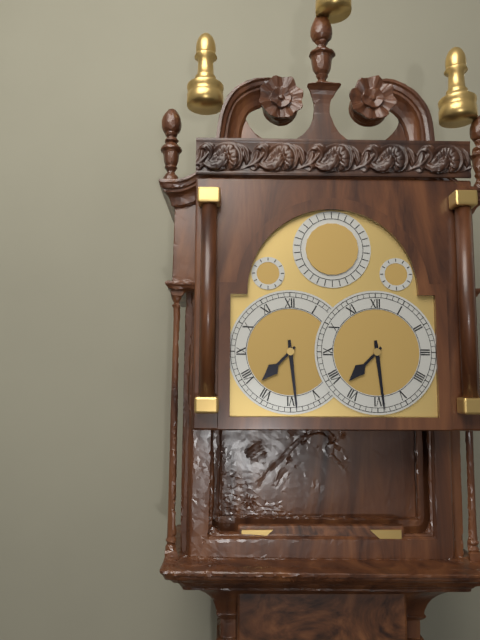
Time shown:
**7:29**
